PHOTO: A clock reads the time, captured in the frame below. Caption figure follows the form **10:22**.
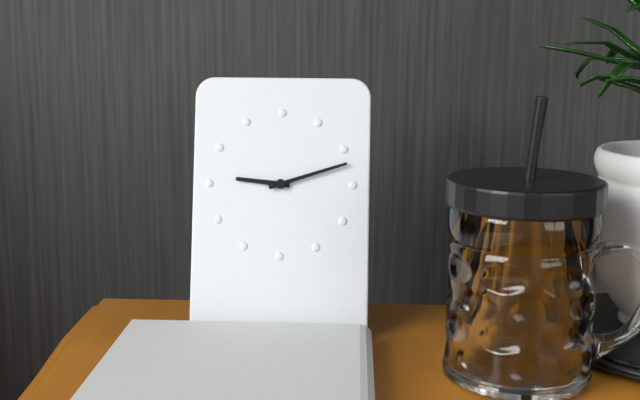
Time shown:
**9:12**
